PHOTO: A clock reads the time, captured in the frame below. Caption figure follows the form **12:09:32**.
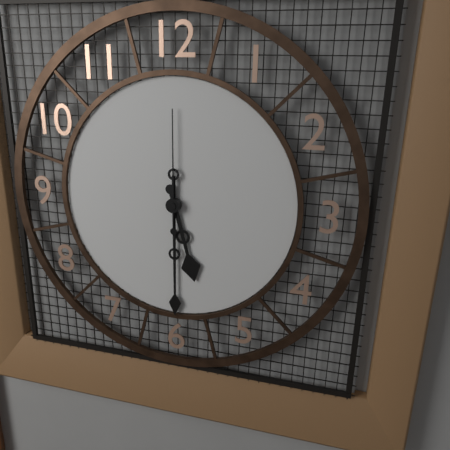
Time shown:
**5:30:00**
